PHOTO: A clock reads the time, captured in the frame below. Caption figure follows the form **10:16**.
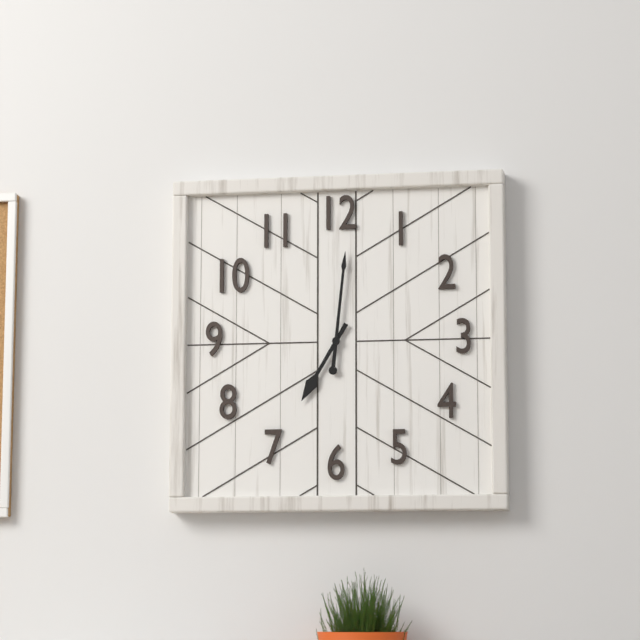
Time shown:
**7:01**
